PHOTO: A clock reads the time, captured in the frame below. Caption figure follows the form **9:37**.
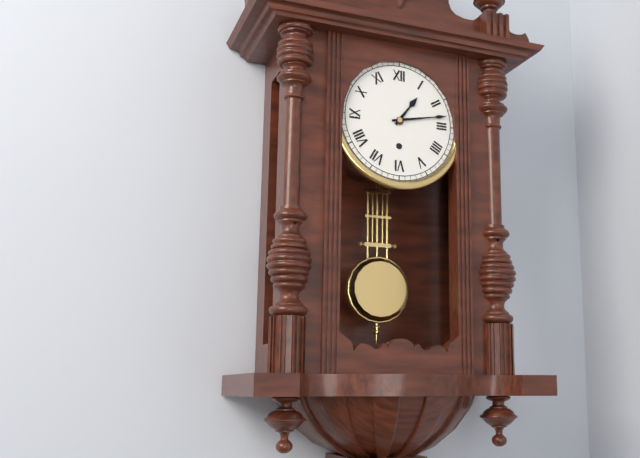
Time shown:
**1:13**
